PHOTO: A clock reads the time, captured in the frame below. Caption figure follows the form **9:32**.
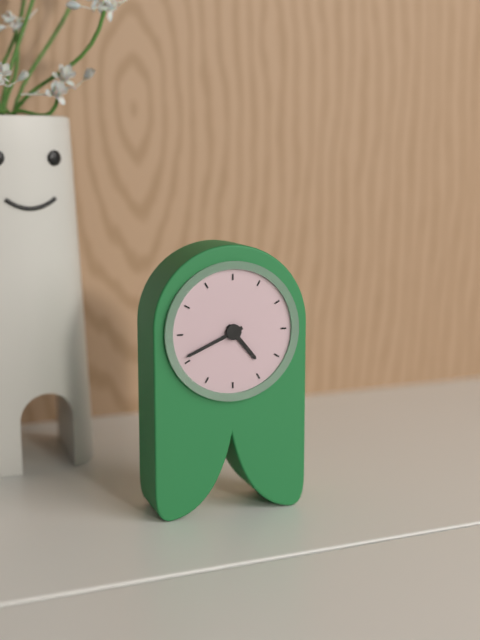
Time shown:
**4:41**
